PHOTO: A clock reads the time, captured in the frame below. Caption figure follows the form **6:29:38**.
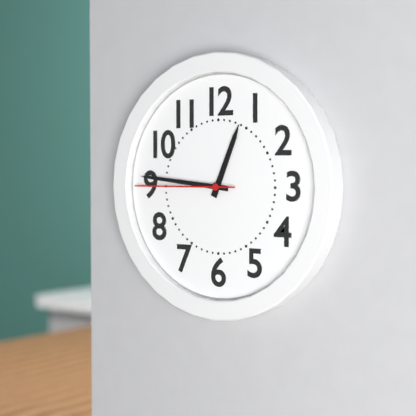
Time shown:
**12:46:45**
